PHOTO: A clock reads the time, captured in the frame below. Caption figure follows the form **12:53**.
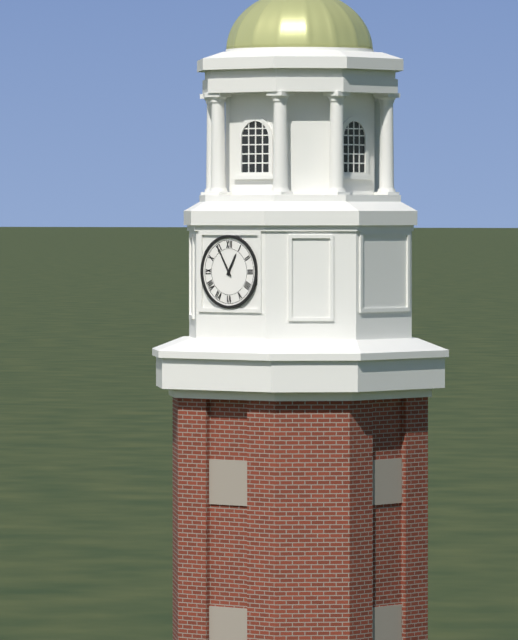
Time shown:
**12:55**
